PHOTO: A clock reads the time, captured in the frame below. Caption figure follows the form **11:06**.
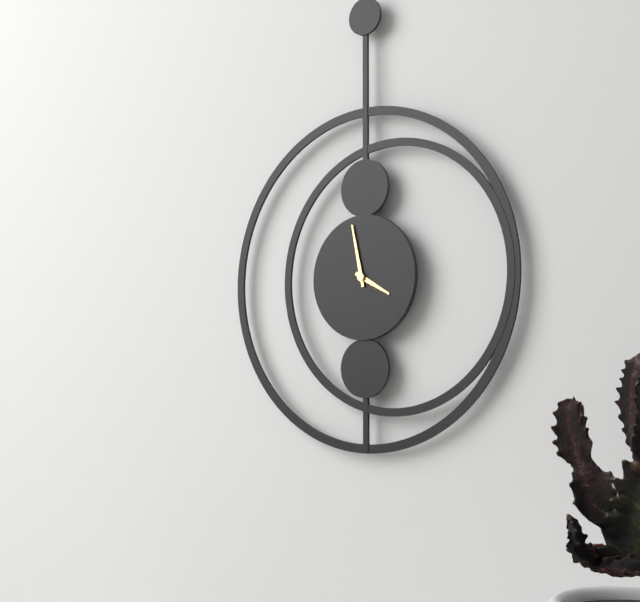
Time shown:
**3:58**
